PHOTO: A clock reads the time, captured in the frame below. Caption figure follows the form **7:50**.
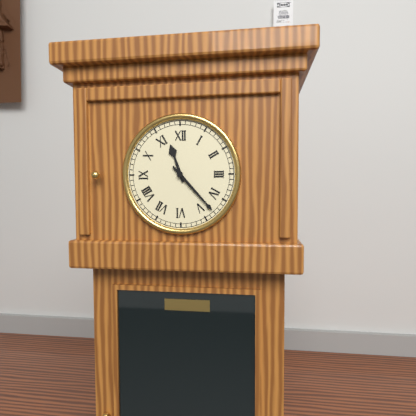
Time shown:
**11:23**
